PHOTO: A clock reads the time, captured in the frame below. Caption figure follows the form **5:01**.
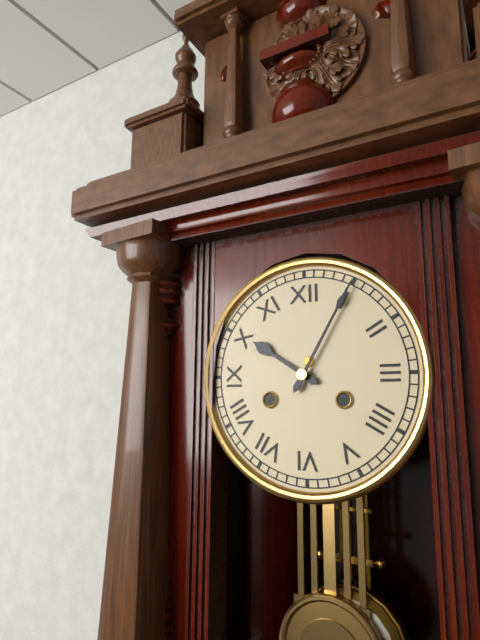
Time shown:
**10:05**
